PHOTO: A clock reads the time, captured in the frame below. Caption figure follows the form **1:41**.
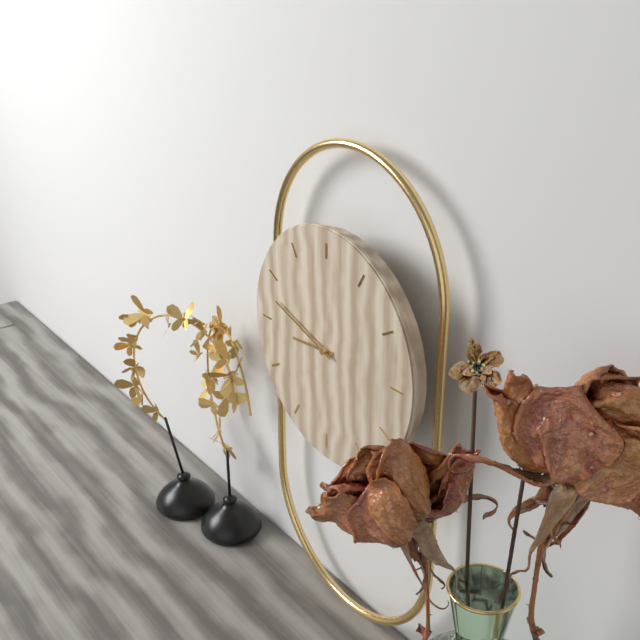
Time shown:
**8:48**
